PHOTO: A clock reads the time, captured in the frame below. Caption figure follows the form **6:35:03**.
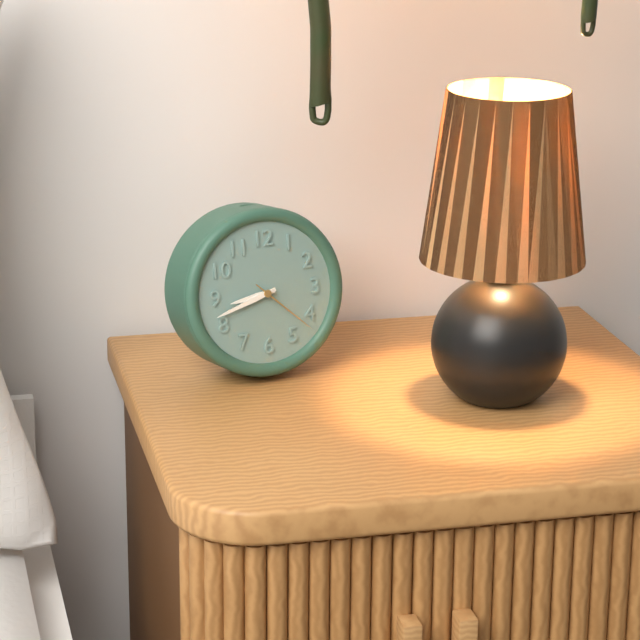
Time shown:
**8:42:22**
